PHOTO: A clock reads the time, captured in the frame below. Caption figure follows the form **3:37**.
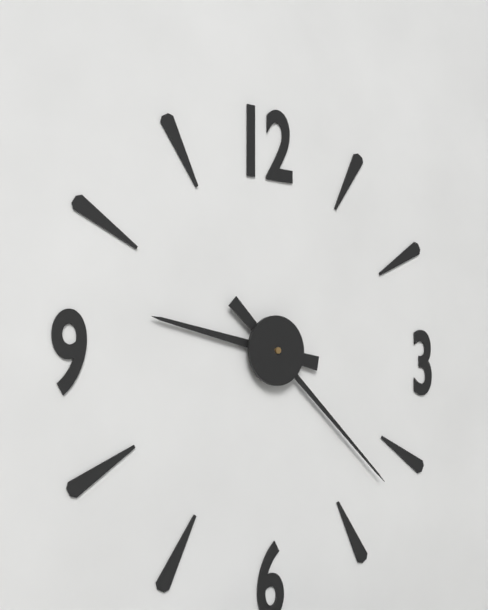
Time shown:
**9:22**
